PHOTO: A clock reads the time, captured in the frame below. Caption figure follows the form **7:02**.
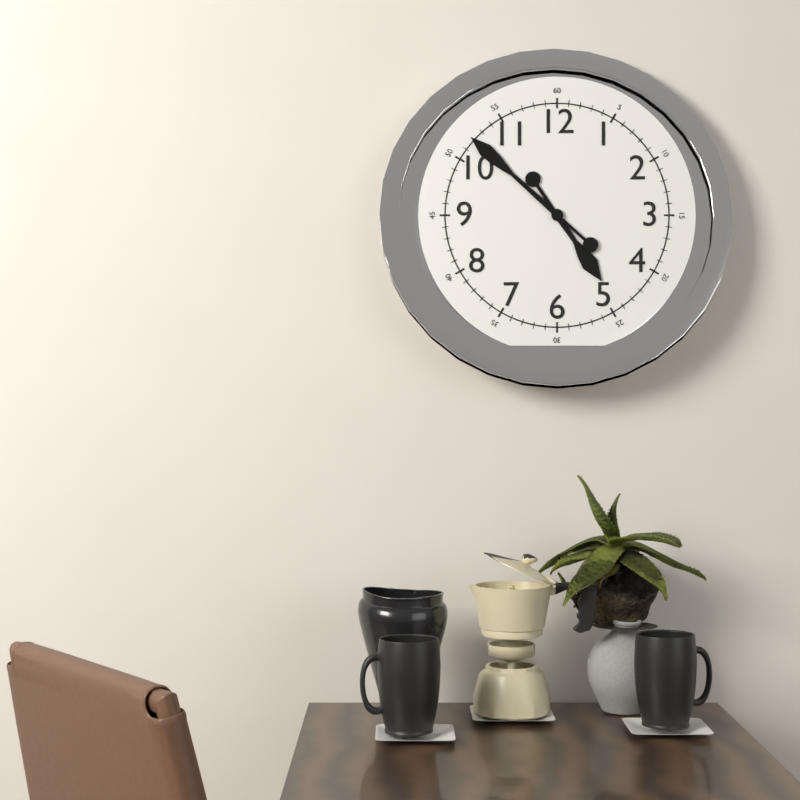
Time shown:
**4:52**
